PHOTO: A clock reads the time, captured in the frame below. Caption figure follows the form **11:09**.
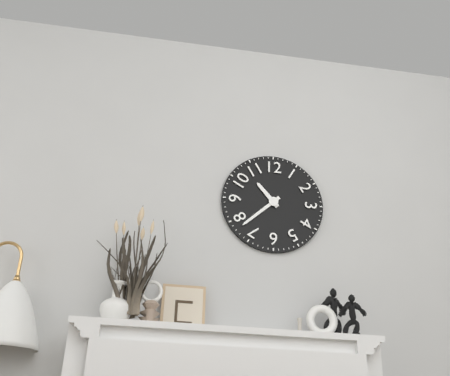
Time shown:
**10:38**
